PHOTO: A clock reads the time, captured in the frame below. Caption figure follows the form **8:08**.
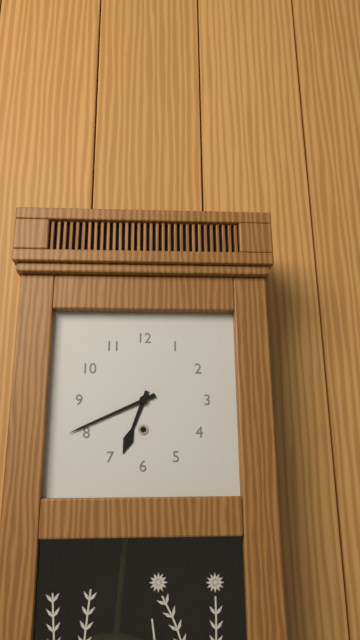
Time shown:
**6:41**
